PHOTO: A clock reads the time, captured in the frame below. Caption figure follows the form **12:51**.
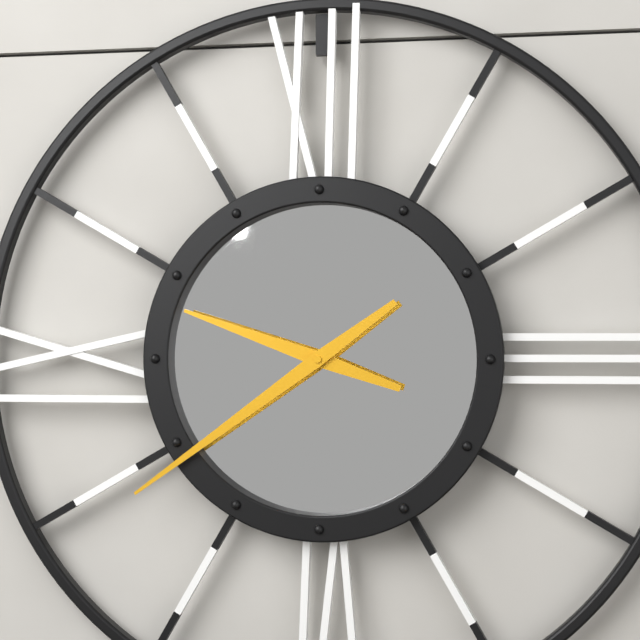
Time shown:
**9:39**
